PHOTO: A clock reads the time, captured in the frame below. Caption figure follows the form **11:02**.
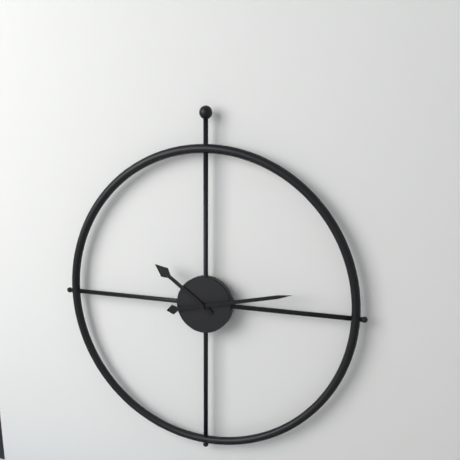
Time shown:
**10:13**
